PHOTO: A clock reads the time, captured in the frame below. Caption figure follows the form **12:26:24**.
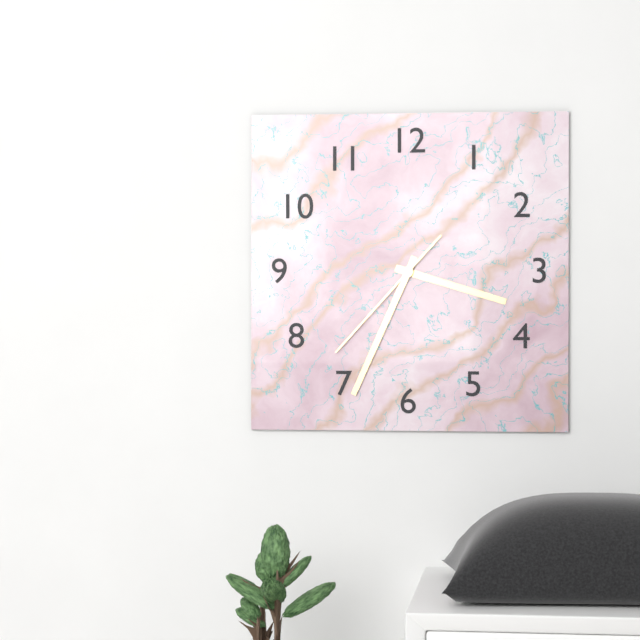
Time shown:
**3:34:37**
